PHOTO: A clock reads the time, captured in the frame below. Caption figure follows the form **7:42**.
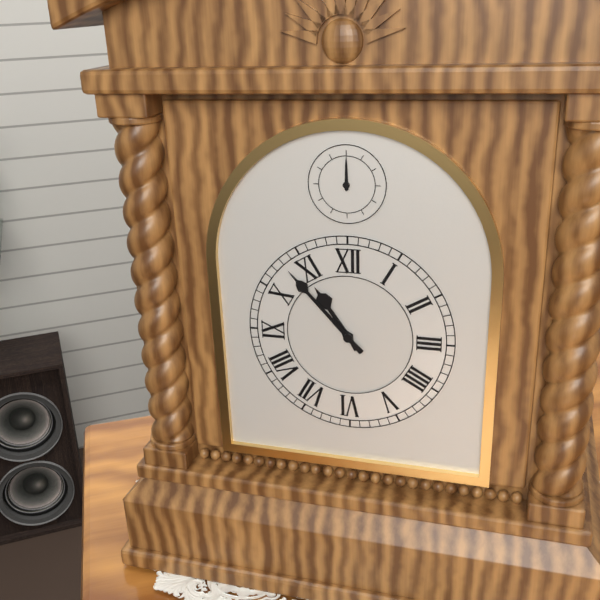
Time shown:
**10:53**
